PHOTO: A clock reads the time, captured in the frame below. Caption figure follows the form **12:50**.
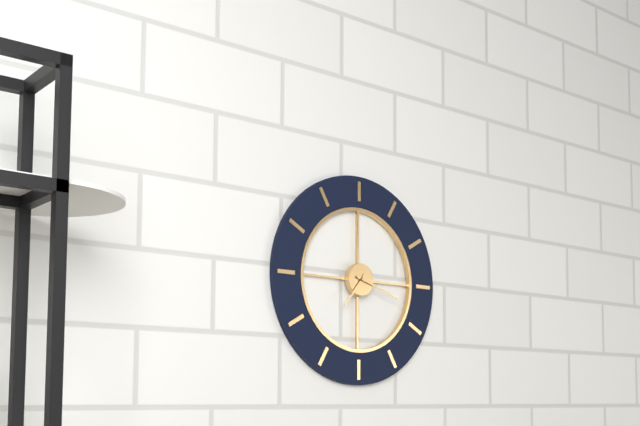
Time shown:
**7:18**
